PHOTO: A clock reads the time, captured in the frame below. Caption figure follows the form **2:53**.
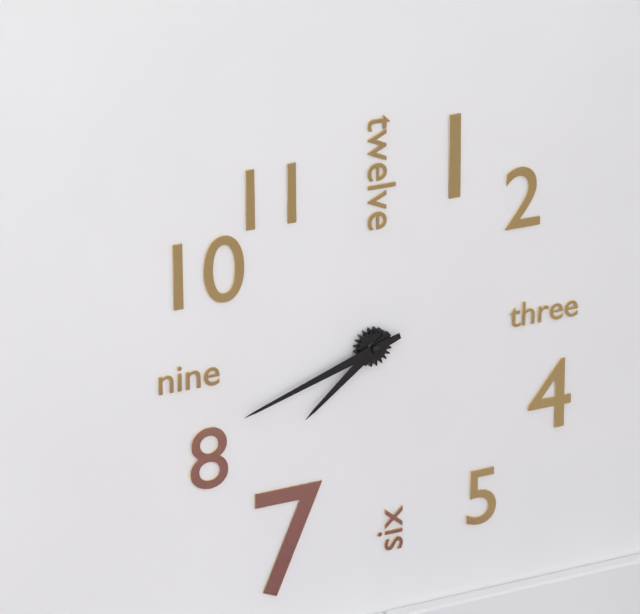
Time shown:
**7:42**
